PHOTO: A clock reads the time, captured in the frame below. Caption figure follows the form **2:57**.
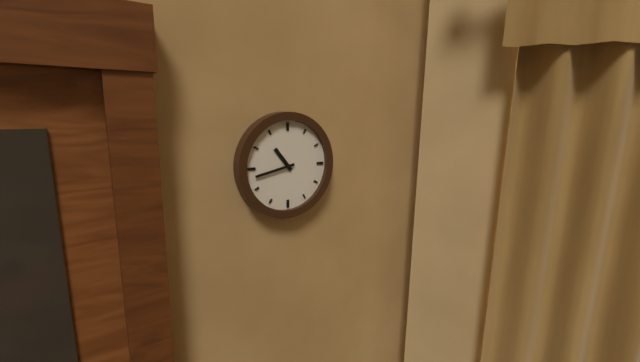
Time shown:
**10:43**
